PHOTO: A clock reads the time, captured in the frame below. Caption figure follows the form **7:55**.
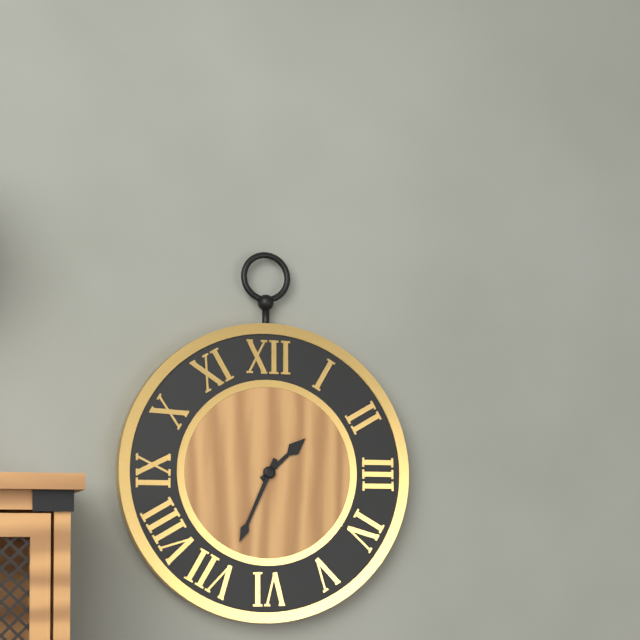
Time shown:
**1:34**
